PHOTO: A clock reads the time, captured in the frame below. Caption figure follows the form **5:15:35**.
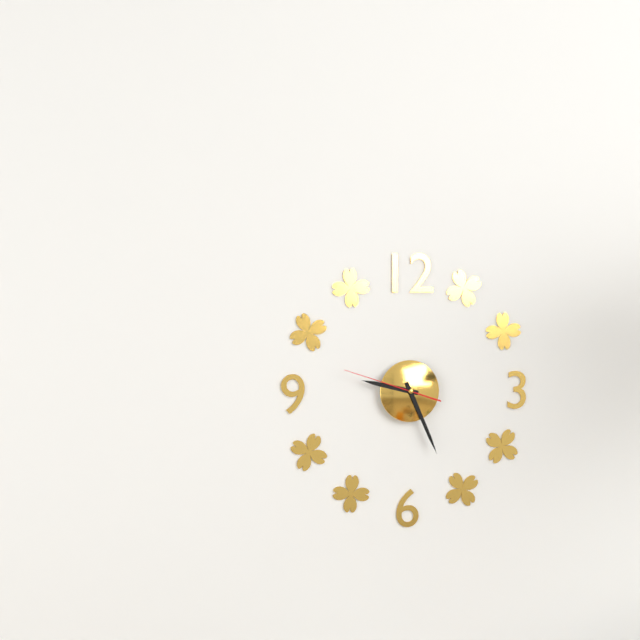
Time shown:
**9:26:48**
